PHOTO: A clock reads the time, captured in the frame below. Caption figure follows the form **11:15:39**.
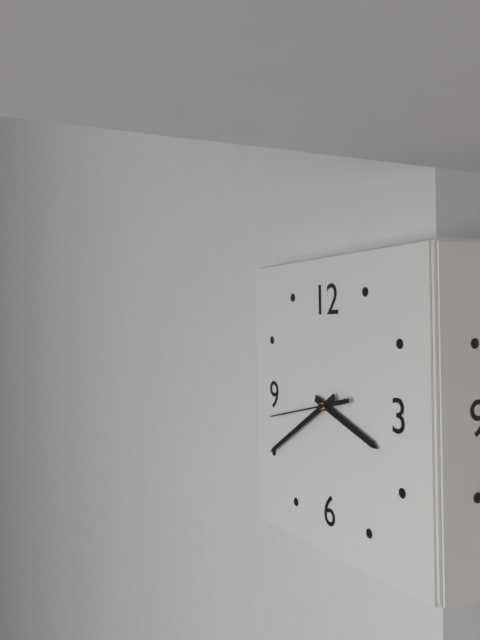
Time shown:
**3:40:43**
